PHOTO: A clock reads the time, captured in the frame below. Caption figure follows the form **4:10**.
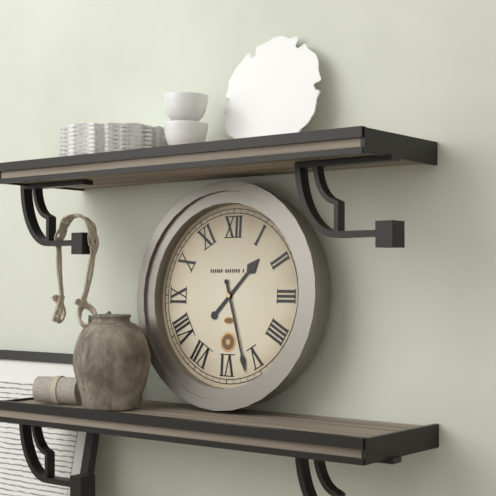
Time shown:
**1:27**
